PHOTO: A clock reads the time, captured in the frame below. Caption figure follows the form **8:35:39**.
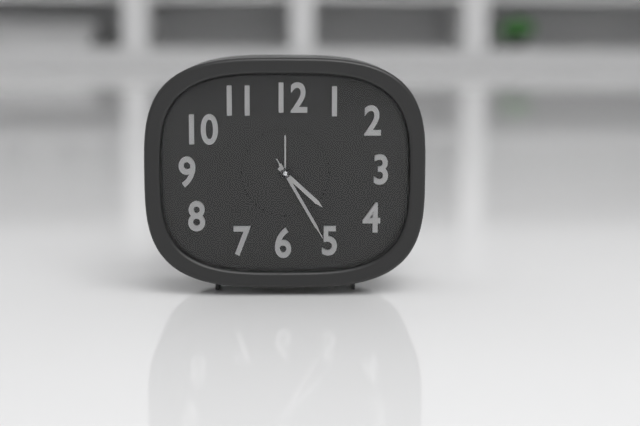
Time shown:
**4:25:25**
